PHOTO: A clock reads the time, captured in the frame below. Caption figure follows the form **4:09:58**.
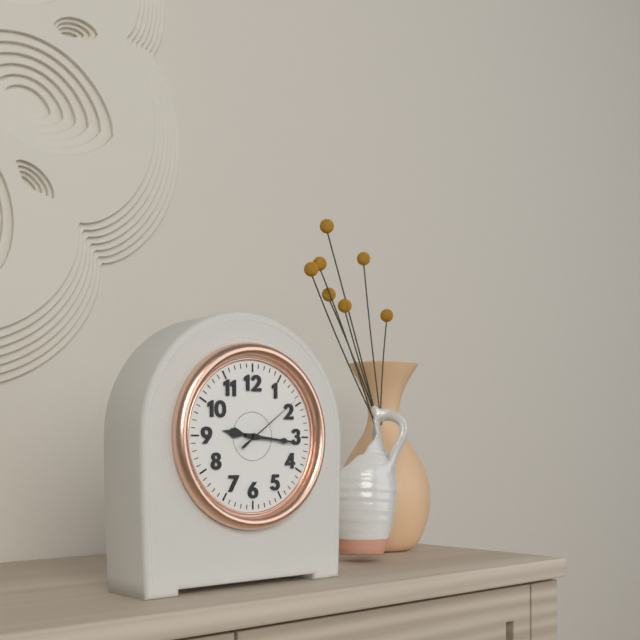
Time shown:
**9:16:09**
